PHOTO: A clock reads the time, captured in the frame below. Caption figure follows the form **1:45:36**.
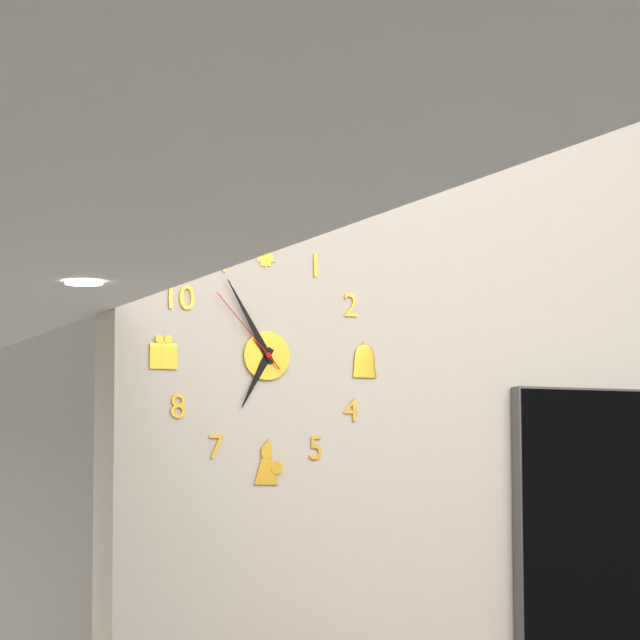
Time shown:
**6:55:53**
